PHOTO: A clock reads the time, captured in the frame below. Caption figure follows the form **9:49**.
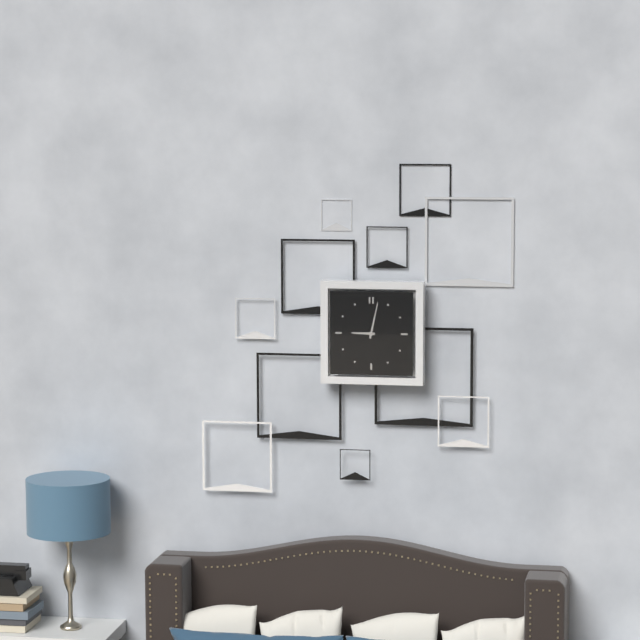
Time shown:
**9:02**
